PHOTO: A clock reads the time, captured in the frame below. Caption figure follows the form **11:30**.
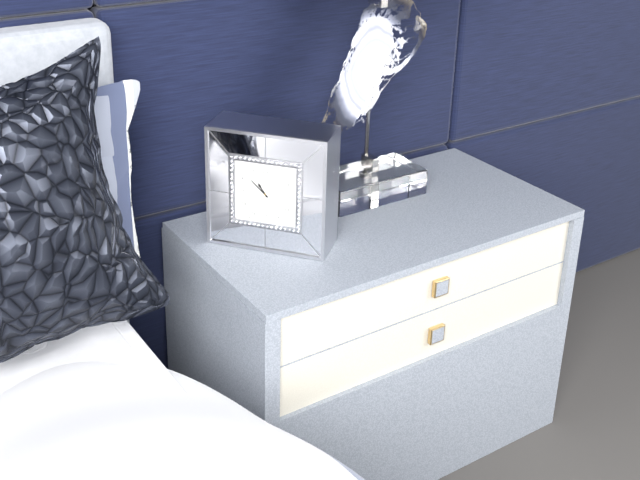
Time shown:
**10:52**
